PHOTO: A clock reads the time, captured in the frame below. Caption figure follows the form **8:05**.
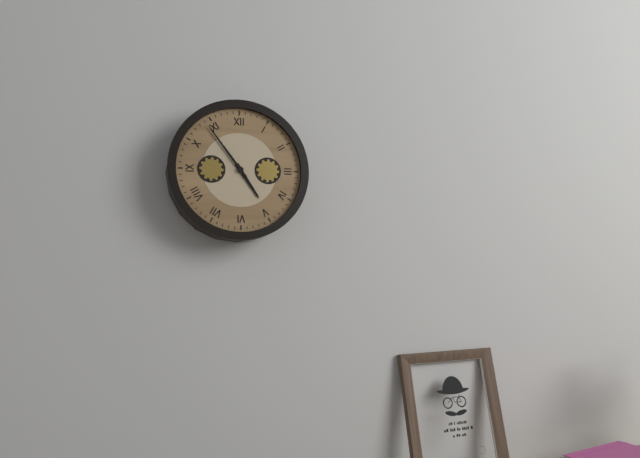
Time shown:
**4:54**
